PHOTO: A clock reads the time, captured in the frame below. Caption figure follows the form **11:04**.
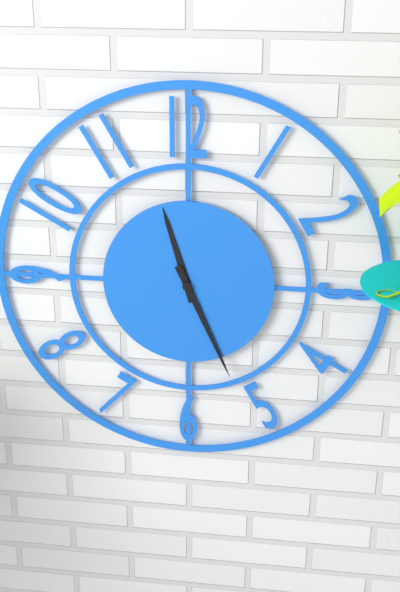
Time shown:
**11:26**
